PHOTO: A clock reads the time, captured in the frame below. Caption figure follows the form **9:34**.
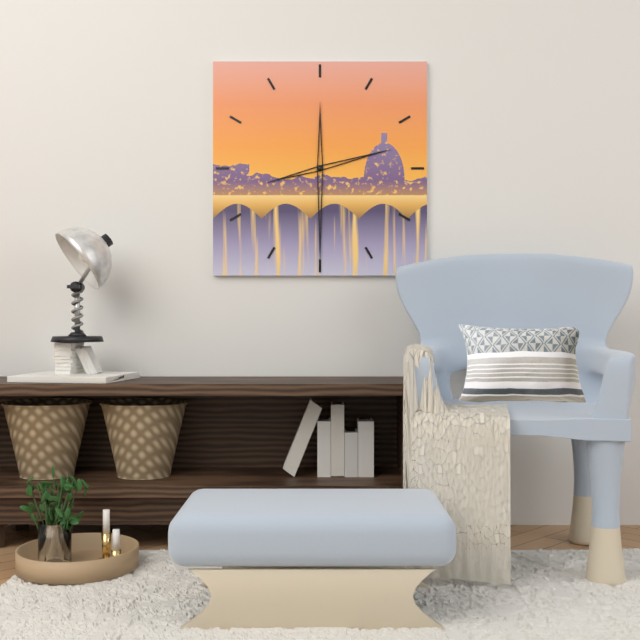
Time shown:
**2:30**
